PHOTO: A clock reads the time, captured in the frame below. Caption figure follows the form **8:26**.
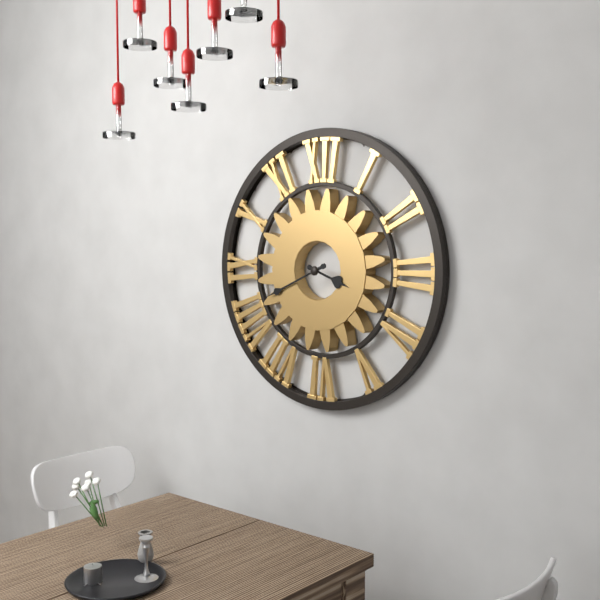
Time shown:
**3:41**
